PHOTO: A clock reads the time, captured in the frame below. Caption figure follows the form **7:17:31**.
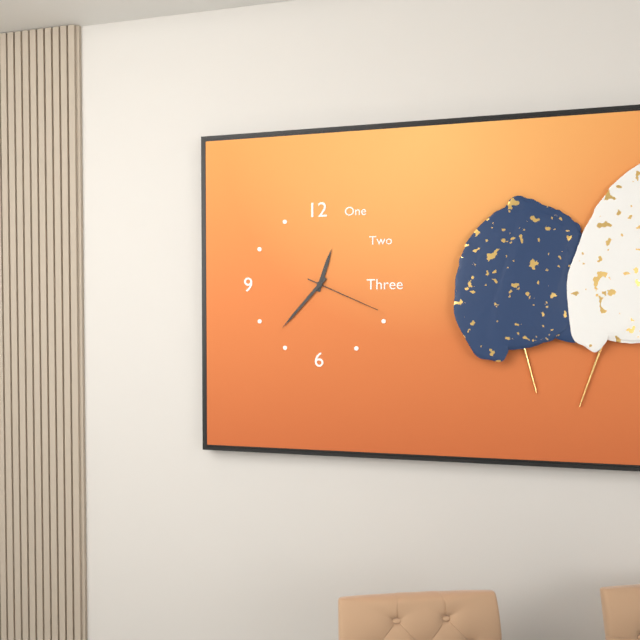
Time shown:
**12:37:19**
